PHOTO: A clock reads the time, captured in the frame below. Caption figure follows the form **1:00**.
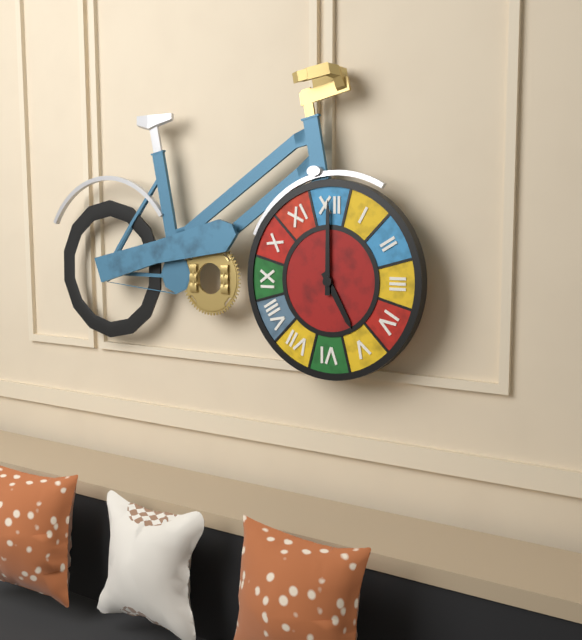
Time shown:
**5:00**
